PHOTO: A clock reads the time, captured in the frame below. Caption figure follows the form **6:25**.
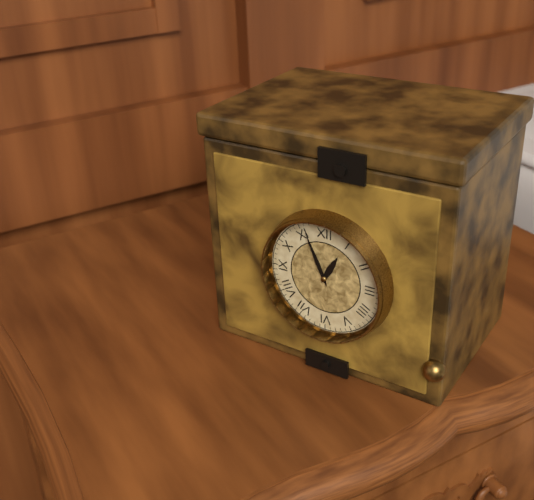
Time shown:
**12:56**
